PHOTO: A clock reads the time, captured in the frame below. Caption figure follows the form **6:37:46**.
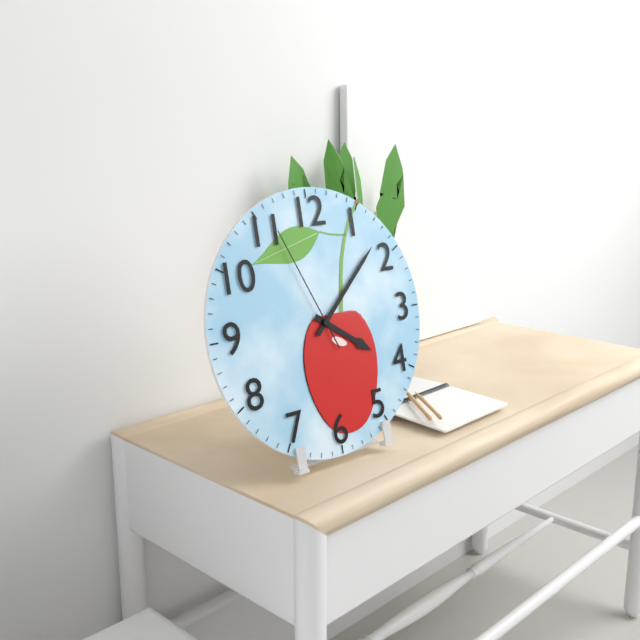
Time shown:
**4:08:56**
